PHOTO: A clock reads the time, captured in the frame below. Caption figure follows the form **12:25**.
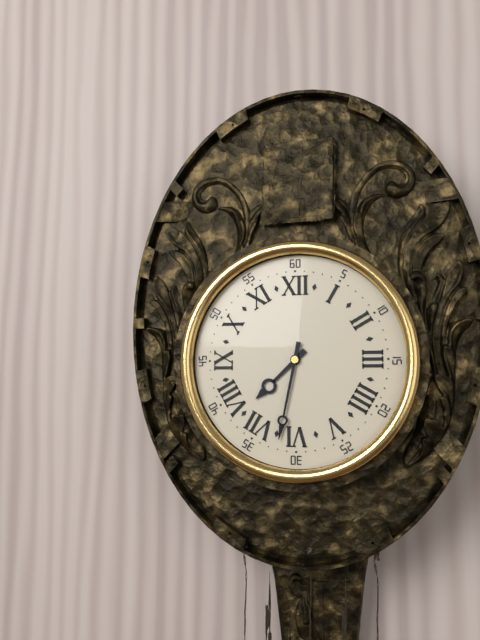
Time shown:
**7:32**
